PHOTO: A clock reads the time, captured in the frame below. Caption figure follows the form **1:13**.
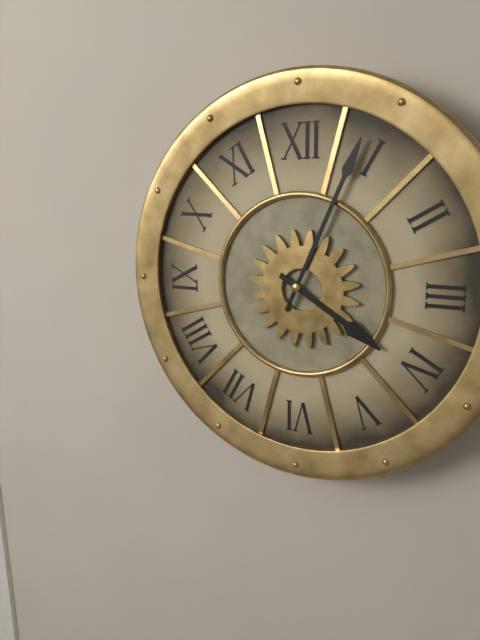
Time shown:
**4:04**
